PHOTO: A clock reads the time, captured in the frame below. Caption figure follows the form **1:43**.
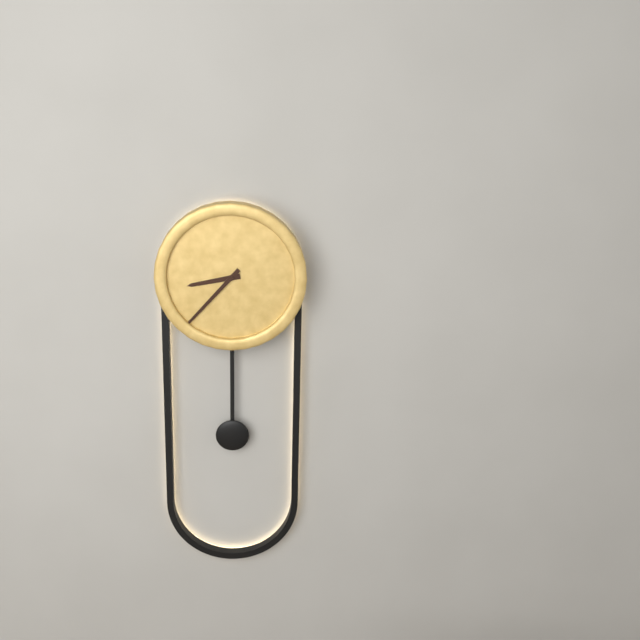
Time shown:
**8:37**
